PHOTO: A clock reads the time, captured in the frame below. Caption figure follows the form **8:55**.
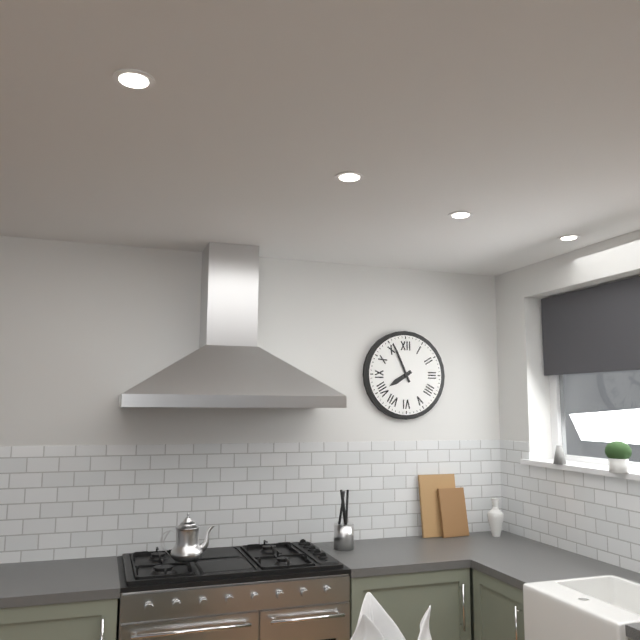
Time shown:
**7:56**
